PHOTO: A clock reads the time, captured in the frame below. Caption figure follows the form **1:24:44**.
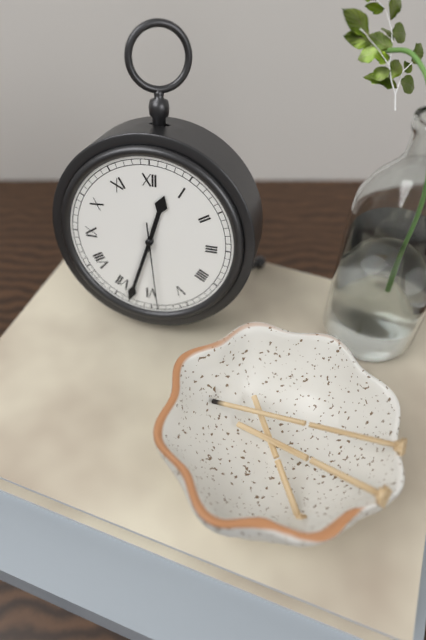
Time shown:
**12:33:29**
